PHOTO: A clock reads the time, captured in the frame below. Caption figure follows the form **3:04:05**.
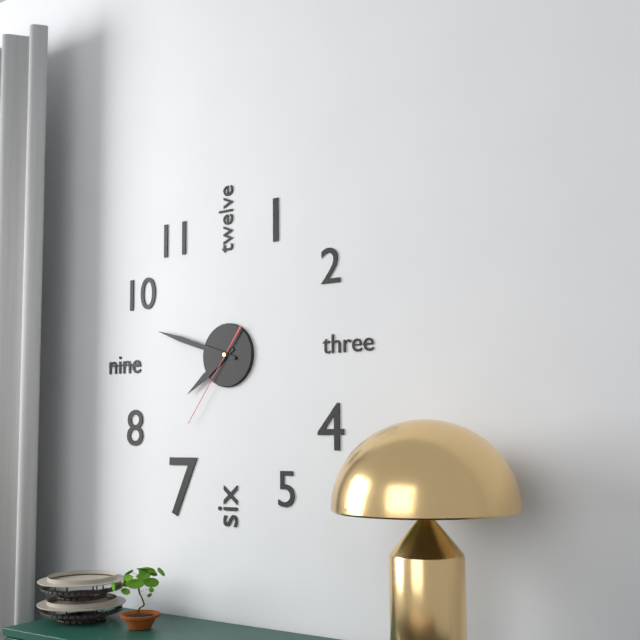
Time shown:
**7:48:36**
